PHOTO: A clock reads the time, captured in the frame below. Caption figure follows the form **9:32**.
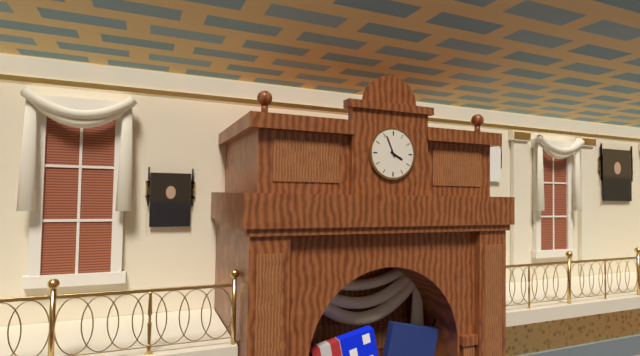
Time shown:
**3:56**
